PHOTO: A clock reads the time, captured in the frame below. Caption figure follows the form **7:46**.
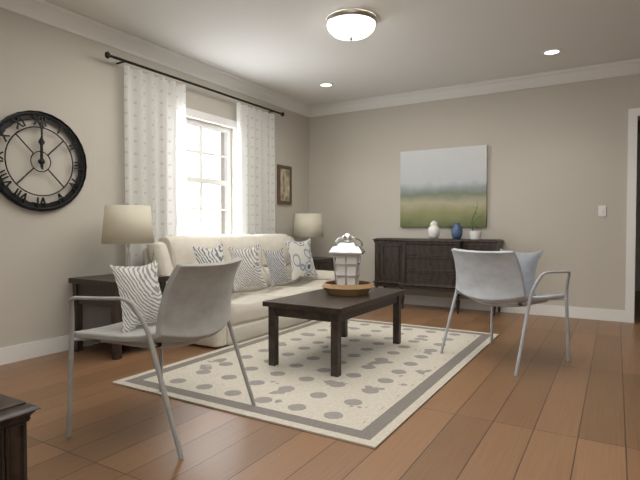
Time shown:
**12:00**
